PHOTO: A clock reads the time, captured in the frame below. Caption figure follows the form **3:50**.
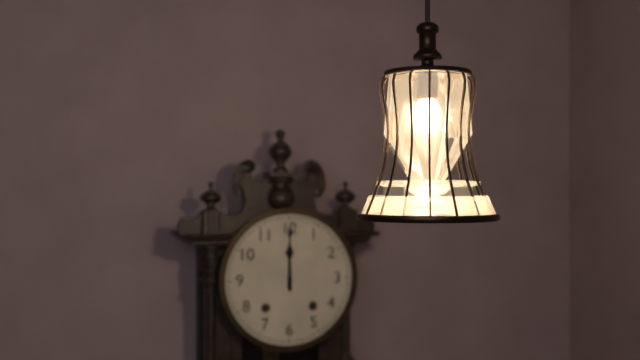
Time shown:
**12:00**
